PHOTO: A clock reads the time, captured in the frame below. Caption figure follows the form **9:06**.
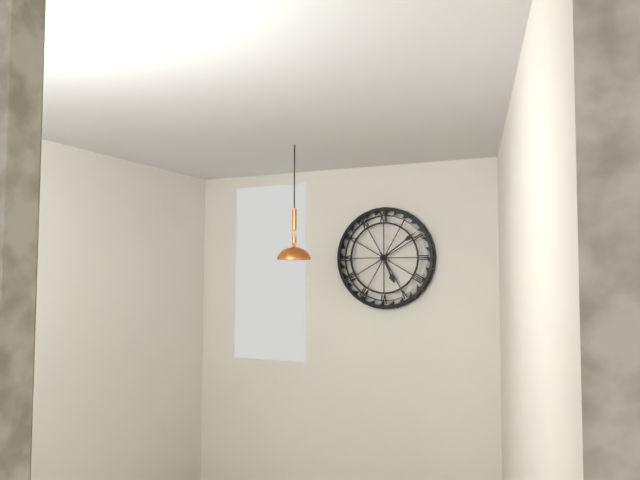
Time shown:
**5:09**
